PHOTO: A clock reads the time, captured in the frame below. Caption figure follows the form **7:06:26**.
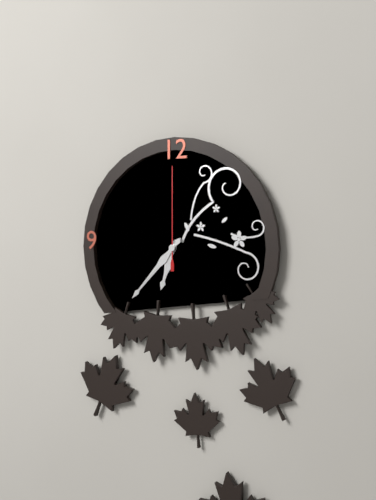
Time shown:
**6:37:00**
